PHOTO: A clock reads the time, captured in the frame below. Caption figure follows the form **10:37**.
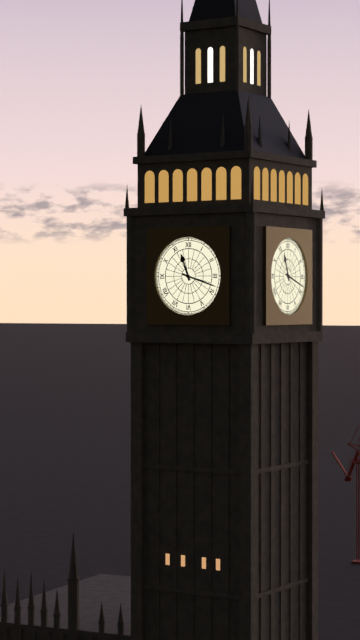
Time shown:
**11:18**
